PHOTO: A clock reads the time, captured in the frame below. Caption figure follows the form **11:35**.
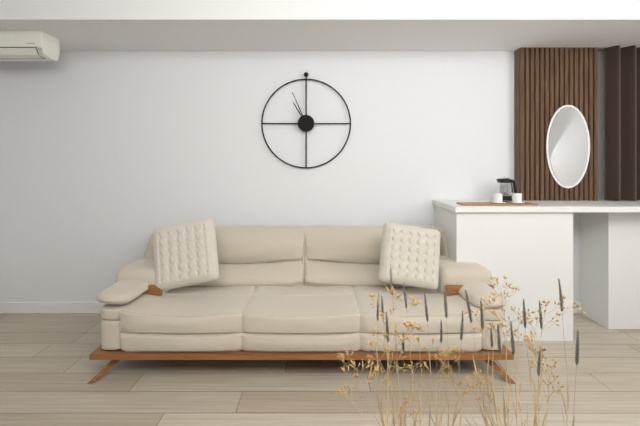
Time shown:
**10:56**
